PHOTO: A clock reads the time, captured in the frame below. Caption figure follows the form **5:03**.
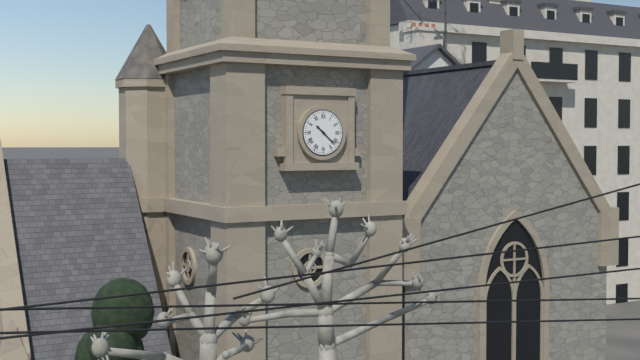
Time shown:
**10:22**
